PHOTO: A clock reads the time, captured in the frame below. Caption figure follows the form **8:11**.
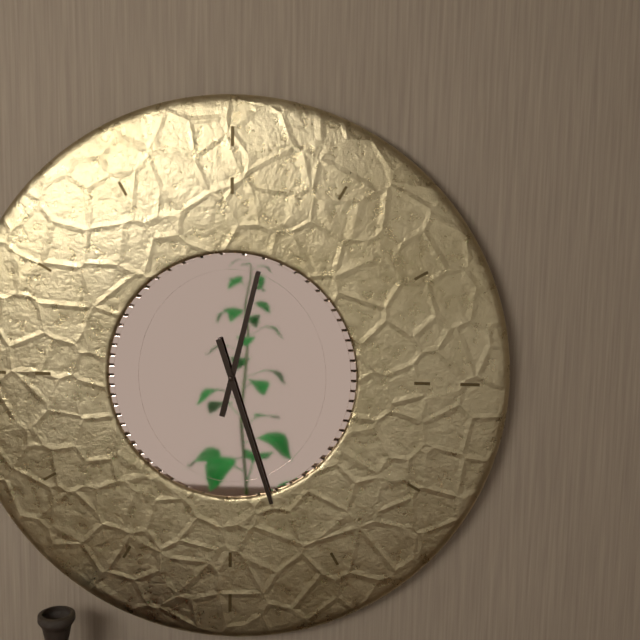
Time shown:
**12:27**
